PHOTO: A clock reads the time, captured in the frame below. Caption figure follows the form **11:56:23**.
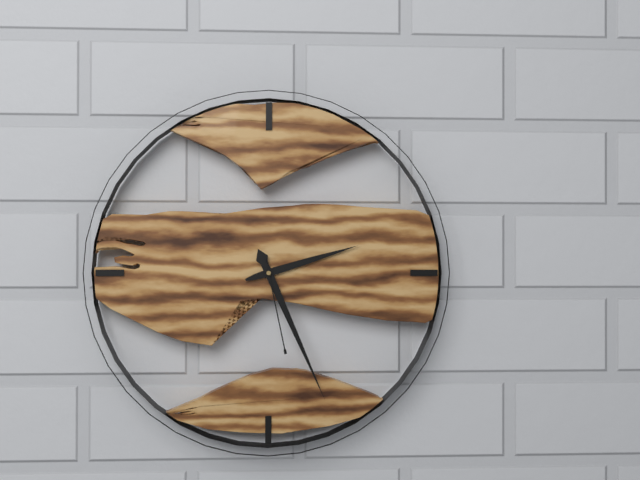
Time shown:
**2:26:28**
